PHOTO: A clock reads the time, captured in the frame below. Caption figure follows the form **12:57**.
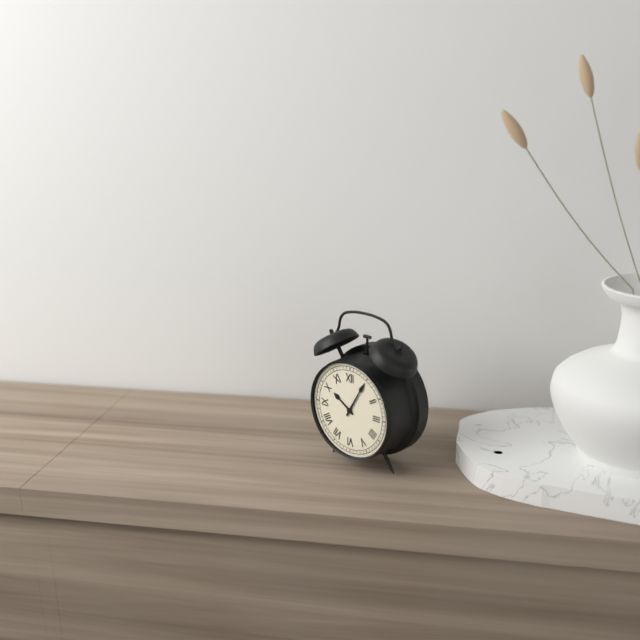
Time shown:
**10:05**
